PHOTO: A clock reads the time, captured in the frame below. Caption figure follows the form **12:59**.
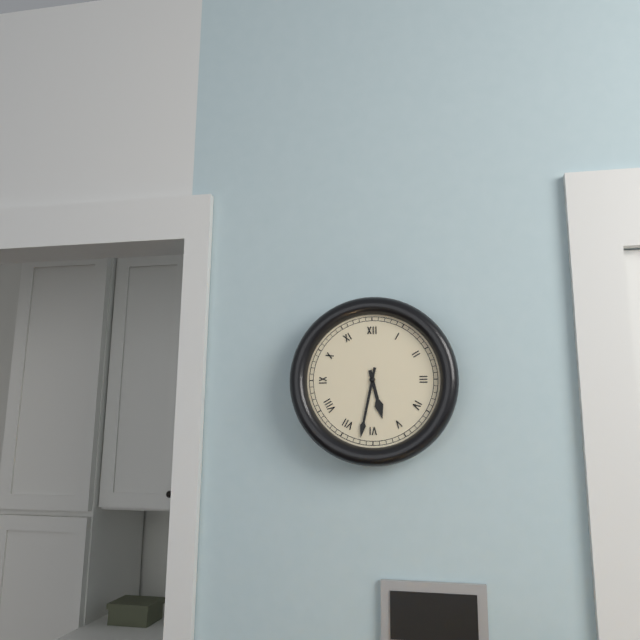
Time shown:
**5:32**
